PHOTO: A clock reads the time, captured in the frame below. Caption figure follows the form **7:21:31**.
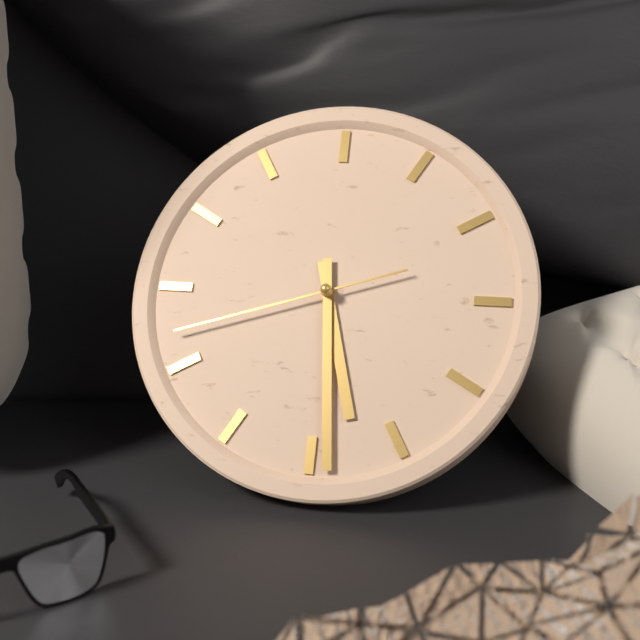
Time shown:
**5:29:42**
